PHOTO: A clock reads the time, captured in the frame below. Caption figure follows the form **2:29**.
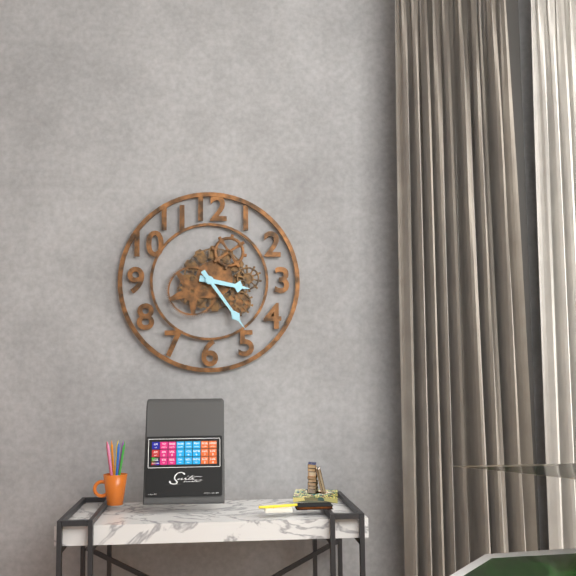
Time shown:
**3:24**
